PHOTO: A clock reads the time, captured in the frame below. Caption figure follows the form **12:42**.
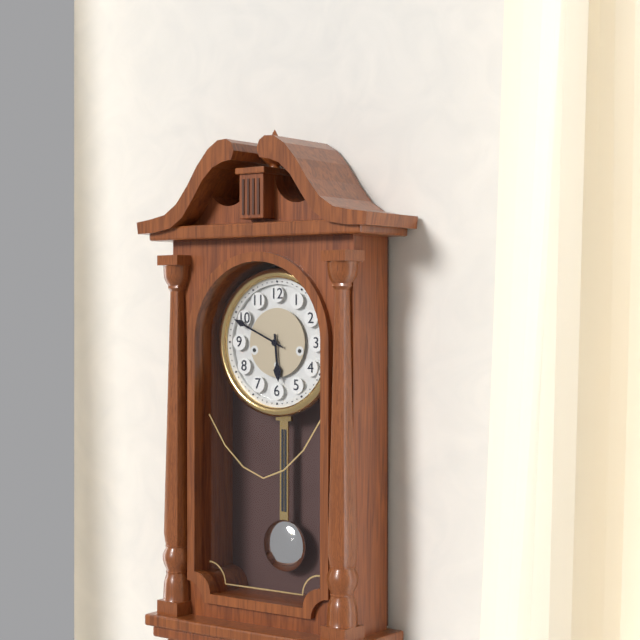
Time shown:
**5:49**
